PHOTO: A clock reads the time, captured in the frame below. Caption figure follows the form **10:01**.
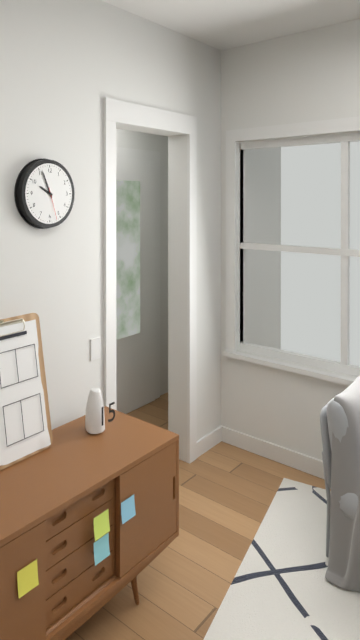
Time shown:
**9:56**
